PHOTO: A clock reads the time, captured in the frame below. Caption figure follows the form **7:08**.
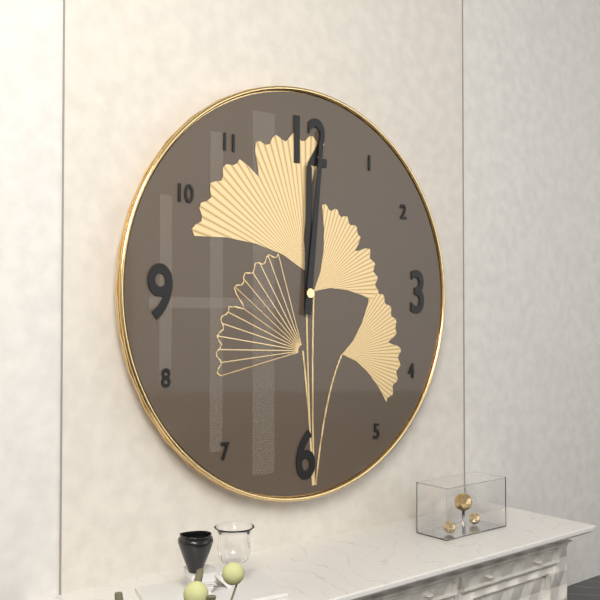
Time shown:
**12:01**
